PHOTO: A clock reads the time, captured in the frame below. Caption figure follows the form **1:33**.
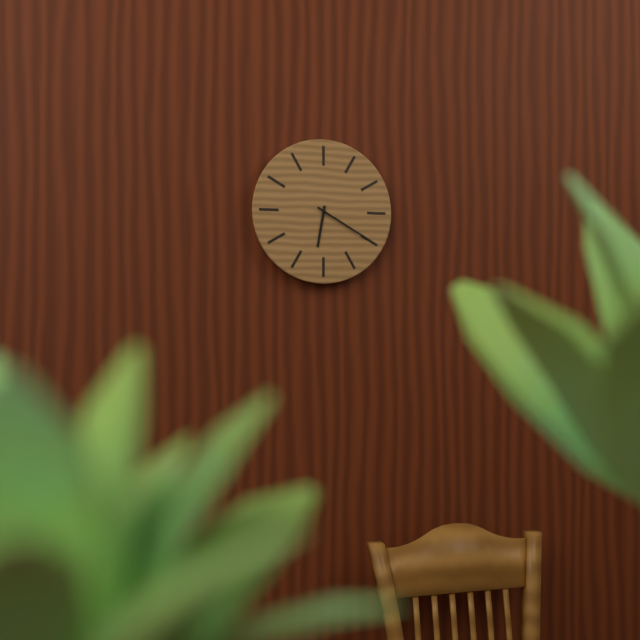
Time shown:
**6:20**
